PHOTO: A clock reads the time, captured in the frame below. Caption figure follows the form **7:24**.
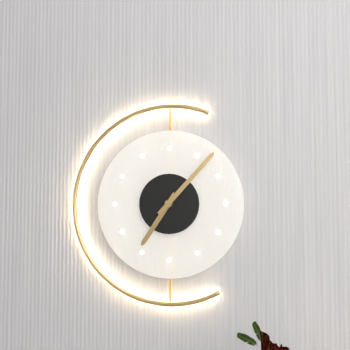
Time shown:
**7:07**
